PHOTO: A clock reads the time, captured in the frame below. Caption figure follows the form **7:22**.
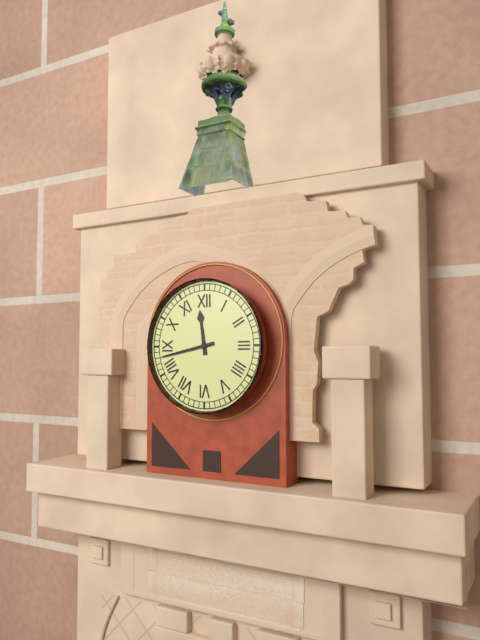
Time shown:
**11:43**
